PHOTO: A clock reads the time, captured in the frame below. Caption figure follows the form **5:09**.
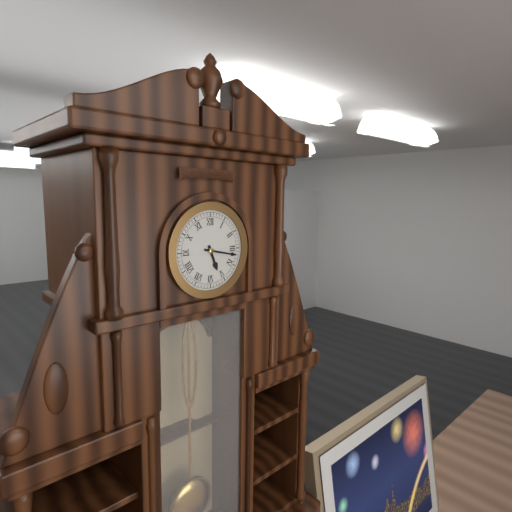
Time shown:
**5:17**
